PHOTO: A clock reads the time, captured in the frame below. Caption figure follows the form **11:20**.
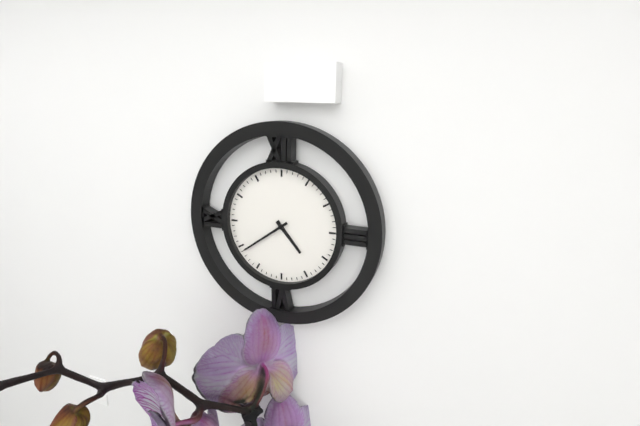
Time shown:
**4:39**
